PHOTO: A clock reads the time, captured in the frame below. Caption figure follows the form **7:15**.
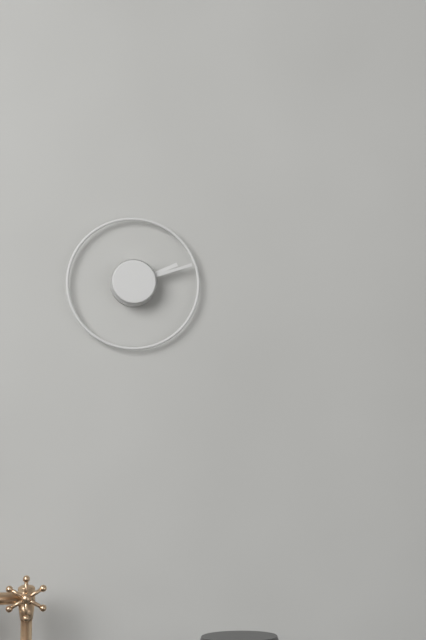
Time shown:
**2:12**
